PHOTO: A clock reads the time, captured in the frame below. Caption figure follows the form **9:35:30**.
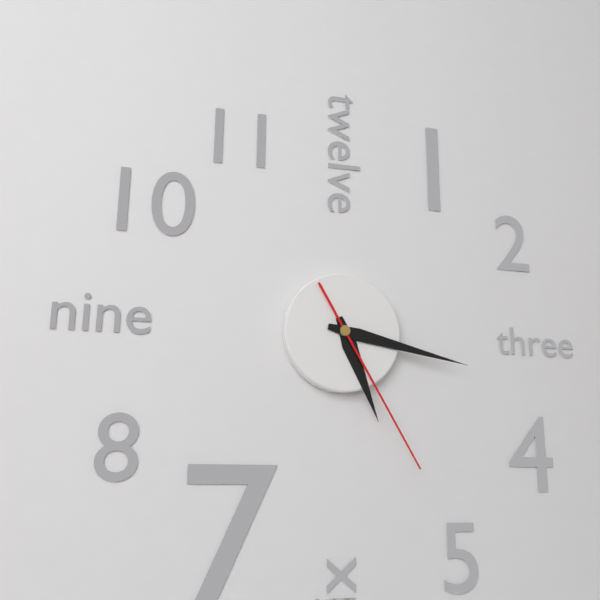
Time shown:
**5:17:25**
